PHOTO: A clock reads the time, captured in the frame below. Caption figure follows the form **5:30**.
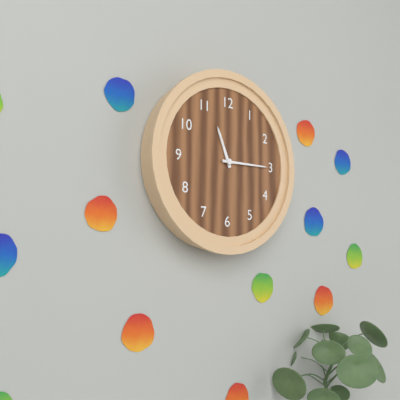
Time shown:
**11:15**
